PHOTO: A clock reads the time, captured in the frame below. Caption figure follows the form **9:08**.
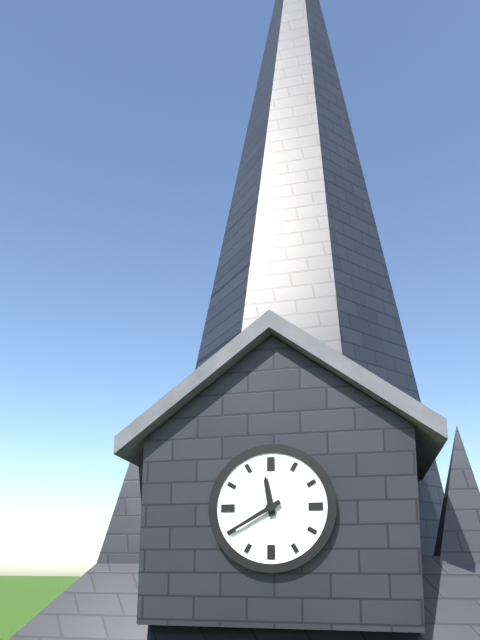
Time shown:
**11:40**
